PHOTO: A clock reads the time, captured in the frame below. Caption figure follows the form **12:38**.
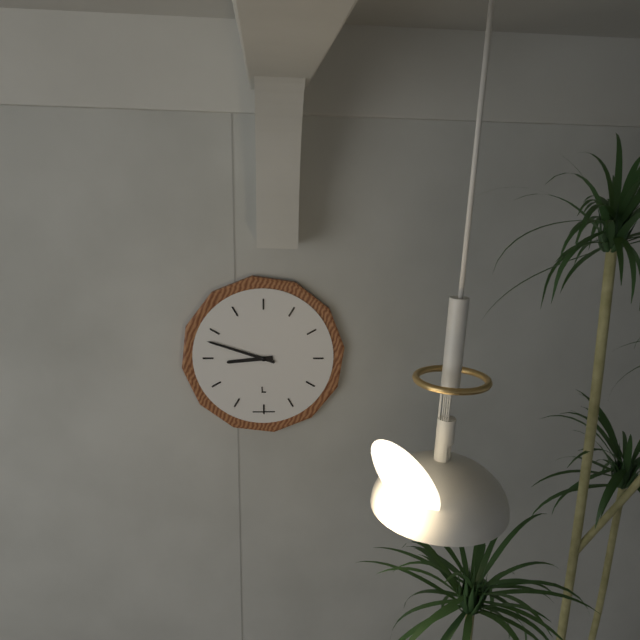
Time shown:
**8:48**
